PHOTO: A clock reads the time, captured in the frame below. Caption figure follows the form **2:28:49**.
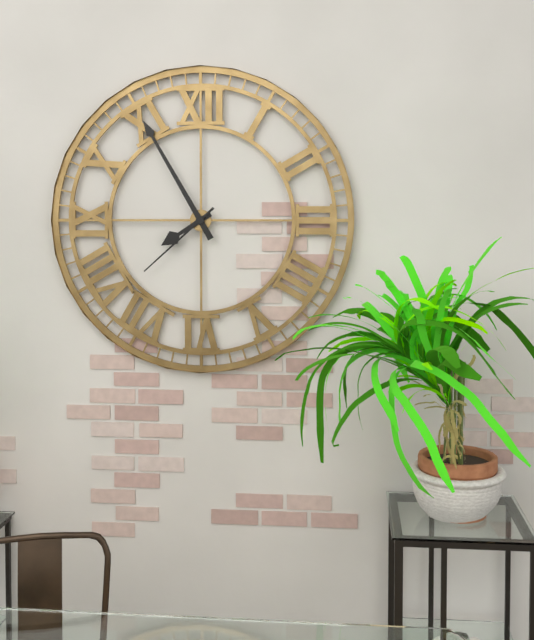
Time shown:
**7:55:38**
